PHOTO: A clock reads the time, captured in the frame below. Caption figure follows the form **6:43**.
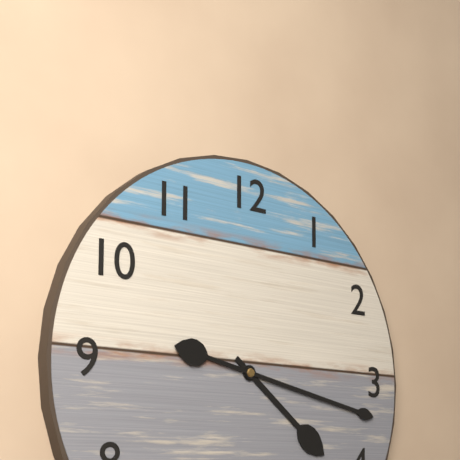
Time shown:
**4:17**
